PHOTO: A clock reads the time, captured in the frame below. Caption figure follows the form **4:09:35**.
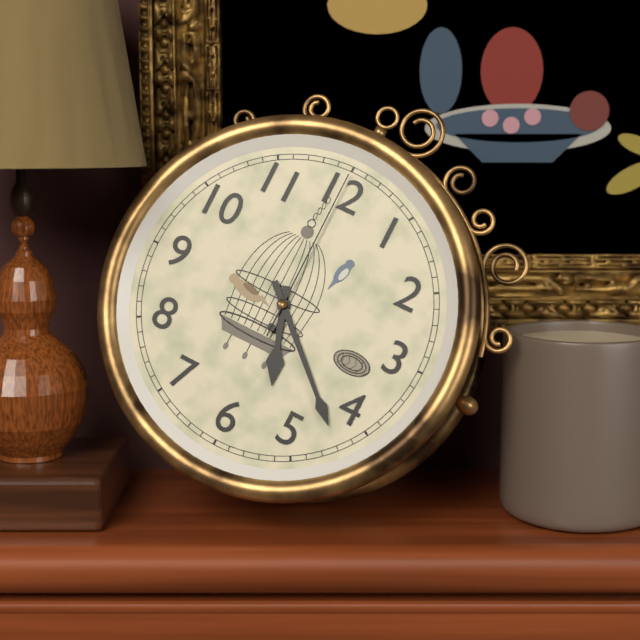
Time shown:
**5:22:00**
